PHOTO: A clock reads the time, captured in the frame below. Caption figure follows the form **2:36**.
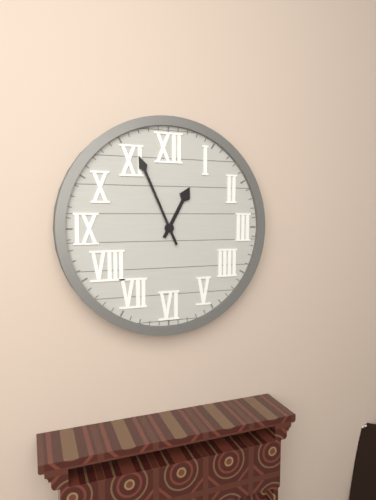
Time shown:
**12:56**
